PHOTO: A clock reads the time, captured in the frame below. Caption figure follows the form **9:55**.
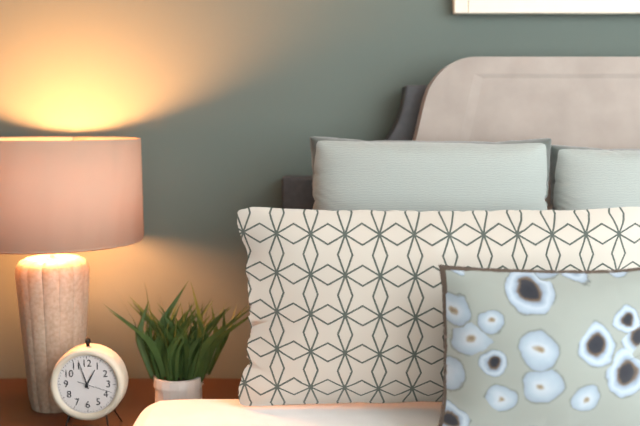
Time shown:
**12:57**
